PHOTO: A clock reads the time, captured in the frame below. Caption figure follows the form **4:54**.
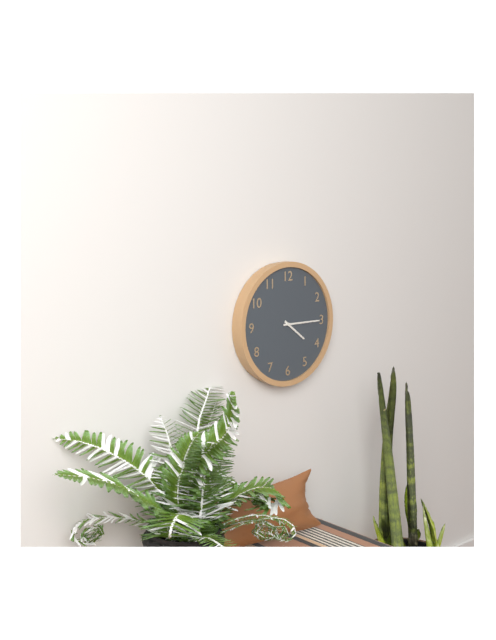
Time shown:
**4:15**
